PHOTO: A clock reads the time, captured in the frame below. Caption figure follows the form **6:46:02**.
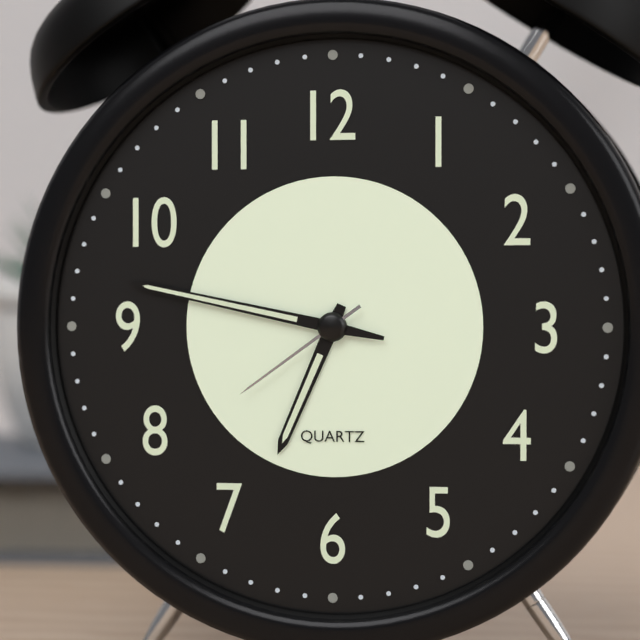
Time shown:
**6:47:39**
